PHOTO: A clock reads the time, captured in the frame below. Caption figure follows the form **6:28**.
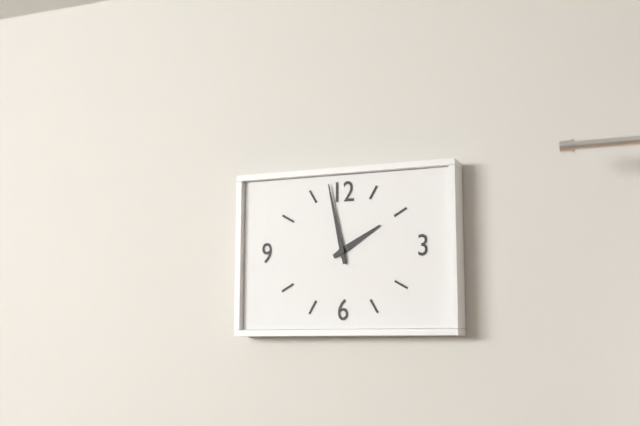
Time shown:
**1:58**
